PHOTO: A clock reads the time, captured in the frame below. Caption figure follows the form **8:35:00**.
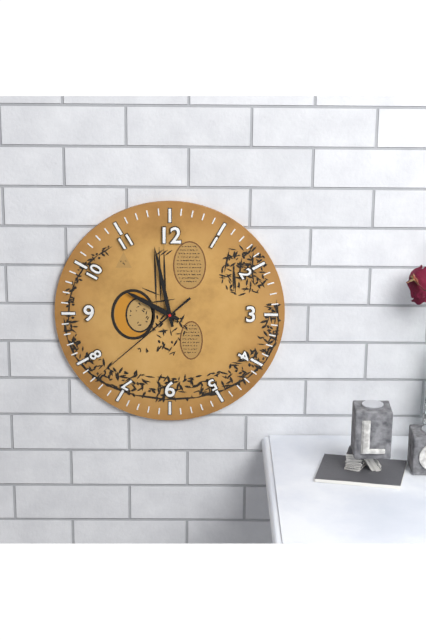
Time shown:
**9:58:38**
